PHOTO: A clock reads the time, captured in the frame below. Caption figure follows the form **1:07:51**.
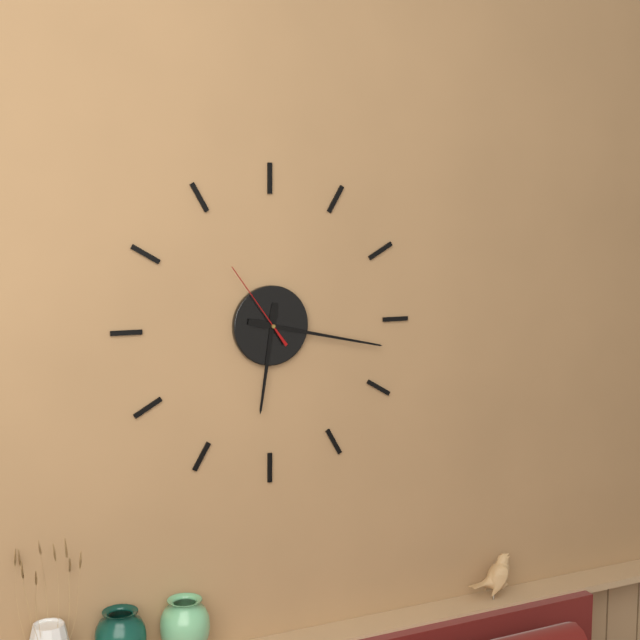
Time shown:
**6:17:54**
